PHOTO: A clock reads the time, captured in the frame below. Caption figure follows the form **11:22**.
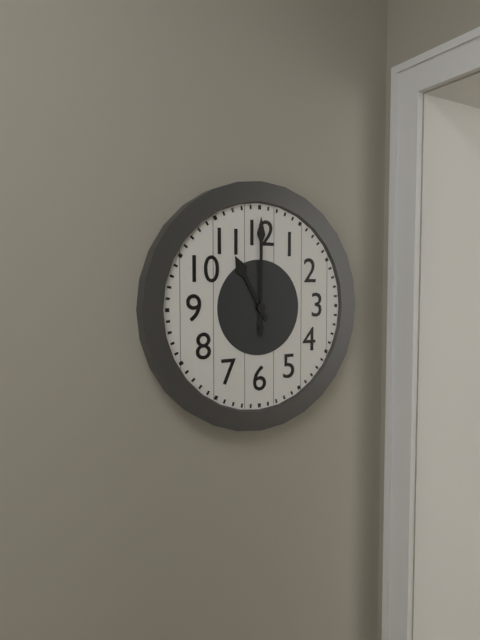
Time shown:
**11:00**
